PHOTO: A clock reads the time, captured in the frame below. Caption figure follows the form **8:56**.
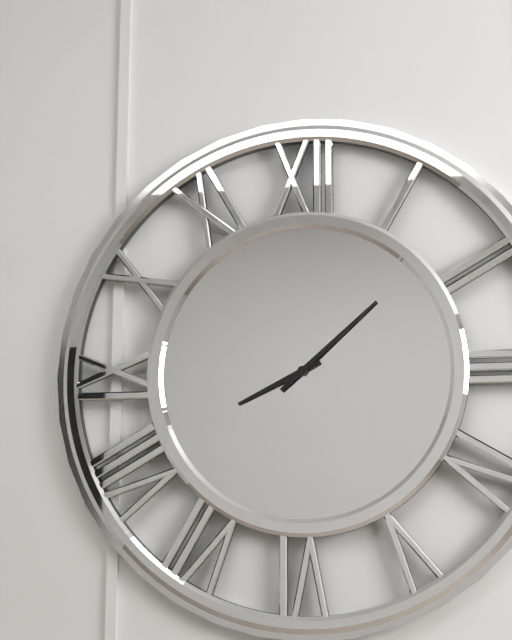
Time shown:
**8:08**
